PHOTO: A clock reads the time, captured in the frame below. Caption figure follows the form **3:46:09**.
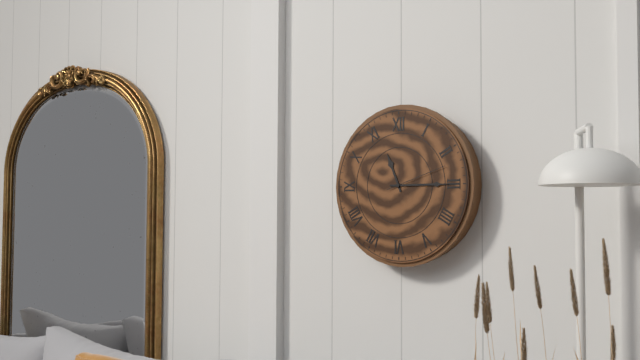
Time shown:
**11:15:12**
